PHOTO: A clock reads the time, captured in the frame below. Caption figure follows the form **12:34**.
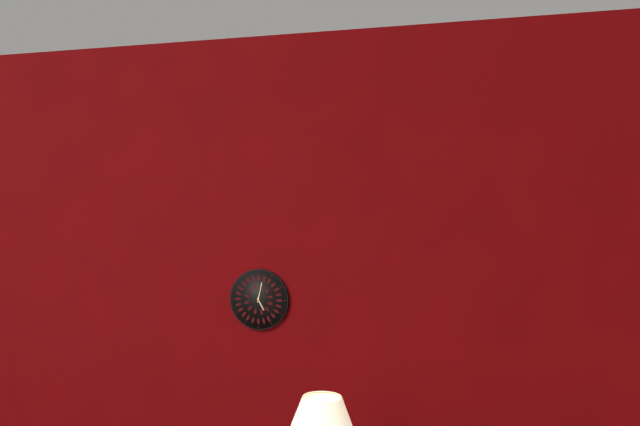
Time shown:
**5:02**
